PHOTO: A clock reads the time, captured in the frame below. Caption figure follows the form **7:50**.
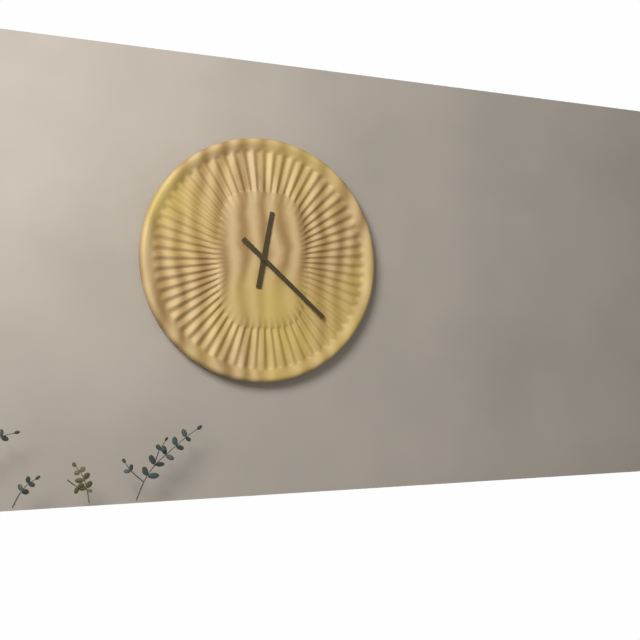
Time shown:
**12:22**
